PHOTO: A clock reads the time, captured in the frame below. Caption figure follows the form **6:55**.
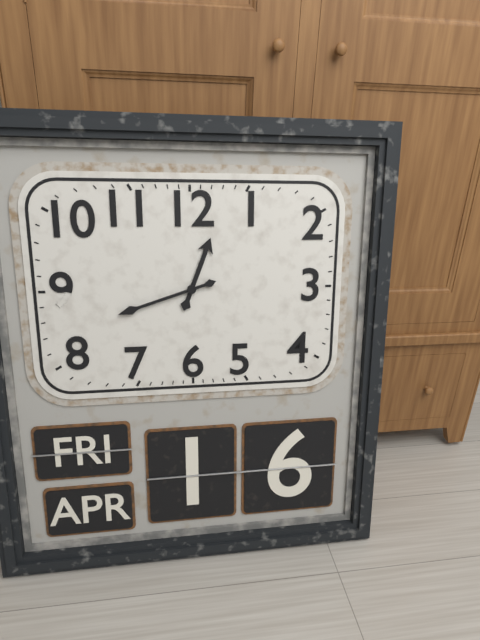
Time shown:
**12:42**
